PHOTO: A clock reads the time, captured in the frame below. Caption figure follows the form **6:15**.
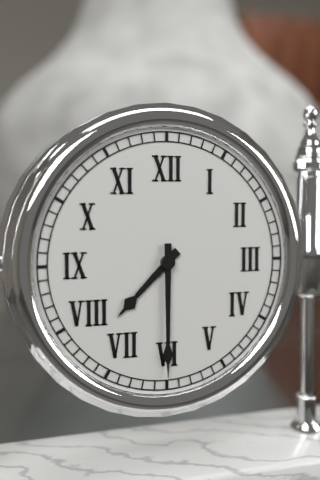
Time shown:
**7:30**
